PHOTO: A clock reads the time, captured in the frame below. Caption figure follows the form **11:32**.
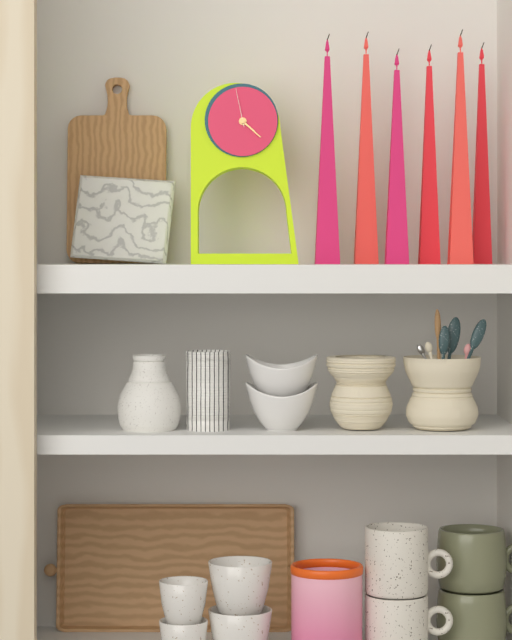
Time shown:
**4:22**
